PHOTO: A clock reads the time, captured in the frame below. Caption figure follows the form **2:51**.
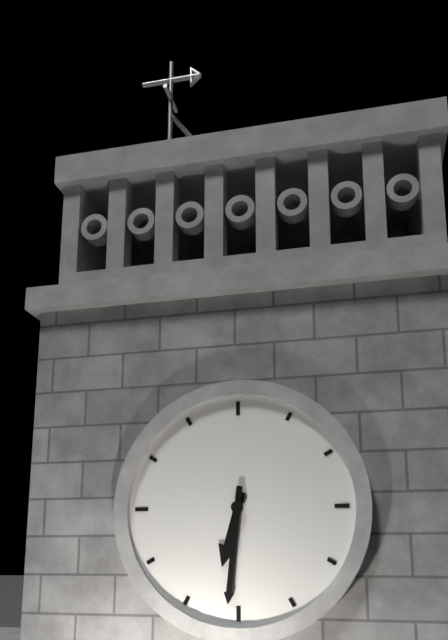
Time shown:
**6:31**
